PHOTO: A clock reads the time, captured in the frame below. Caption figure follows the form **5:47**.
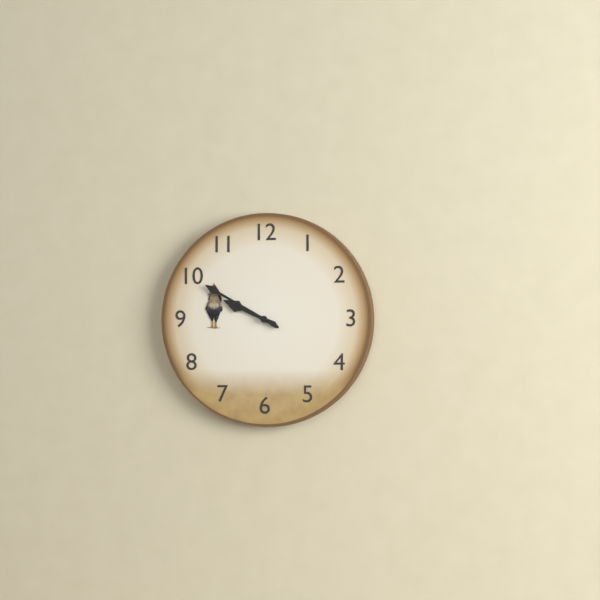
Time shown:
**9:50**
